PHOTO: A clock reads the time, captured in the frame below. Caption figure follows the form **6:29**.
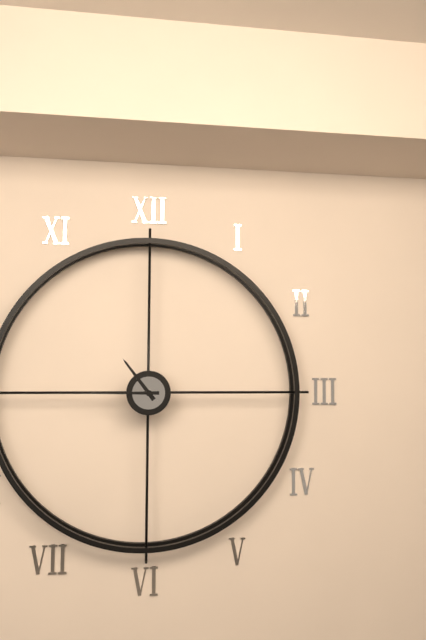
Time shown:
**10:45**
